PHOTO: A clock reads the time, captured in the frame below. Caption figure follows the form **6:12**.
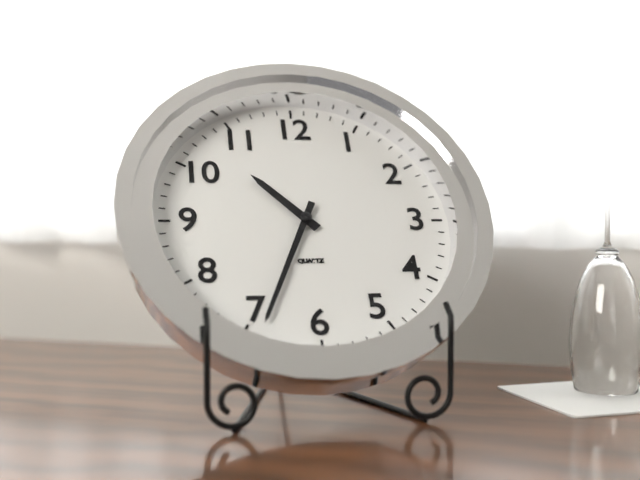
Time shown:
**10:34**
